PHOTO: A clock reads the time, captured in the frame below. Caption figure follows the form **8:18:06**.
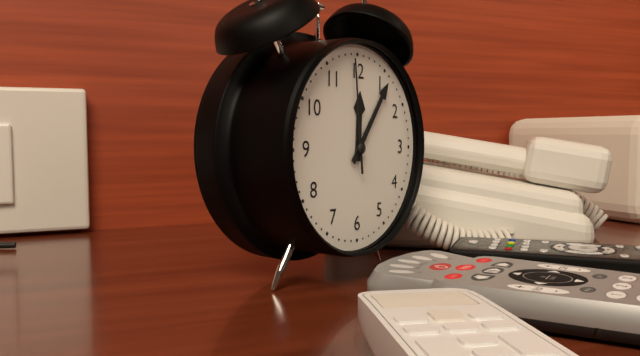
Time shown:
**12:06:59**
